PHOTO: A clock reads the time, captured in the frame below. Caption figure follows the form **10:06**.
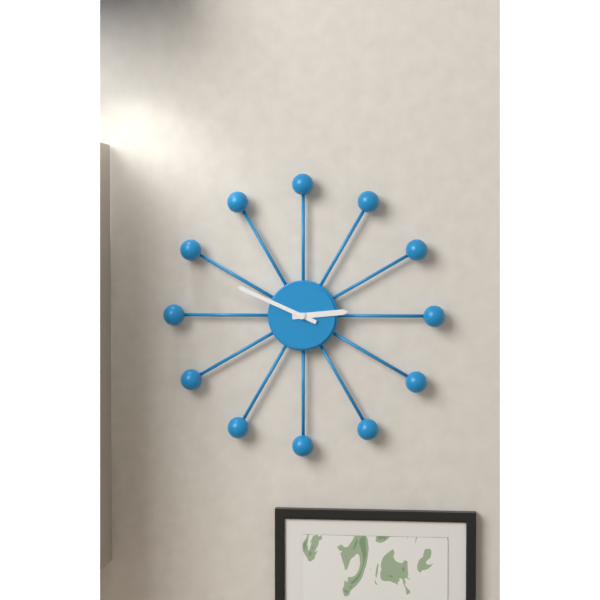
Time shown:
**2:49**
